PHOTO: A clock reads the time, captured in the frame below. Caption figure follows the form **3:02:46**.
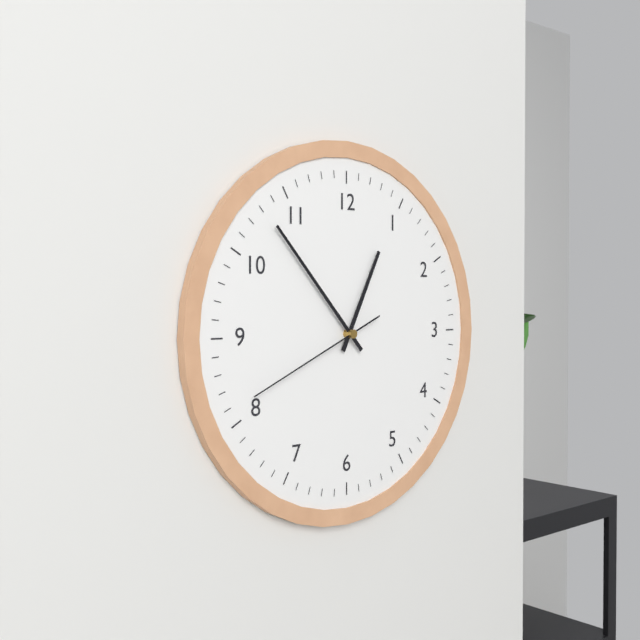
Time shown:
**12:53:41**
